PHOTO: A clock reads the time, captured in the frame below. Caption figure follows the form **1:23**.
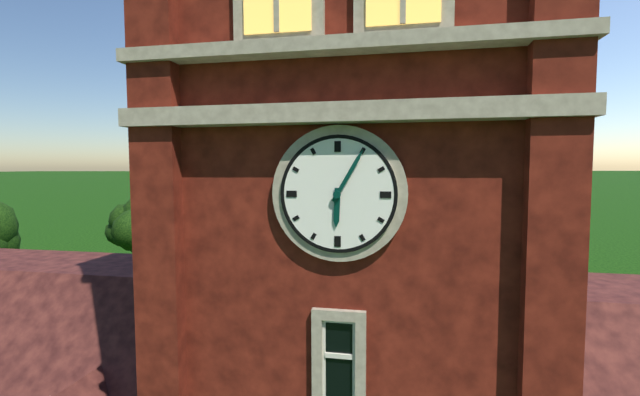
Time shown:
**6:05**
